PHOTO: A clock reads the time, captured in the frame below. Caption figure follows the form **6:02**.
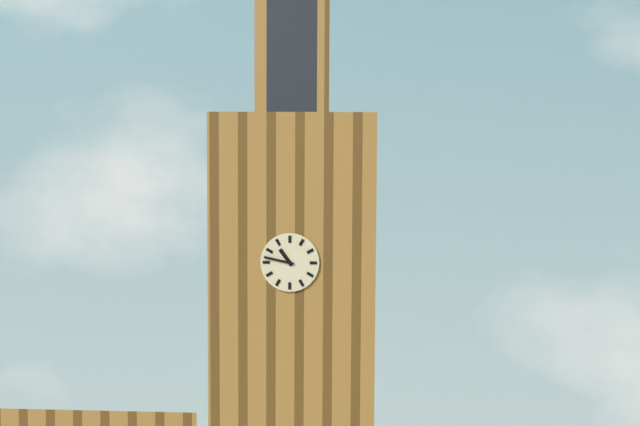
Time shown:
**10:47**
